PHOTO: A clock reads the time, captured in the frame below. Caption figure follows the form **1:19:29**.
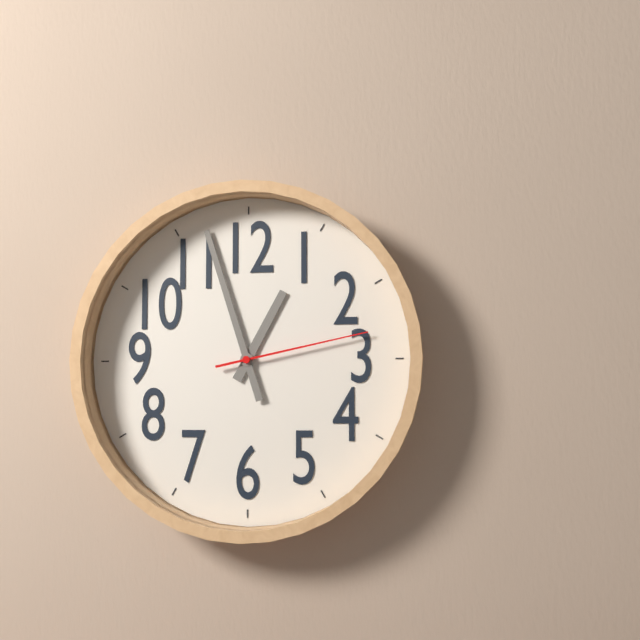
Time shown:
**12:57:13**
